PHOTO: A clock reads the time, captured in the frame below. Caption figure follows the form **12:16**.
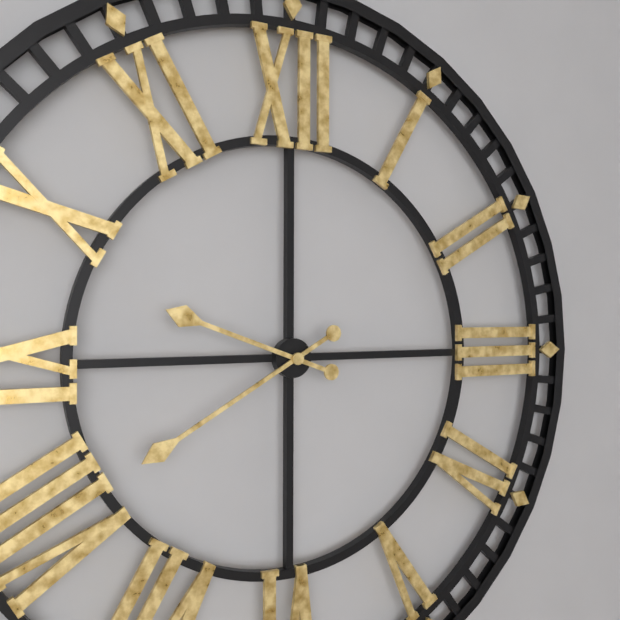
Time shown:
**9:40**
